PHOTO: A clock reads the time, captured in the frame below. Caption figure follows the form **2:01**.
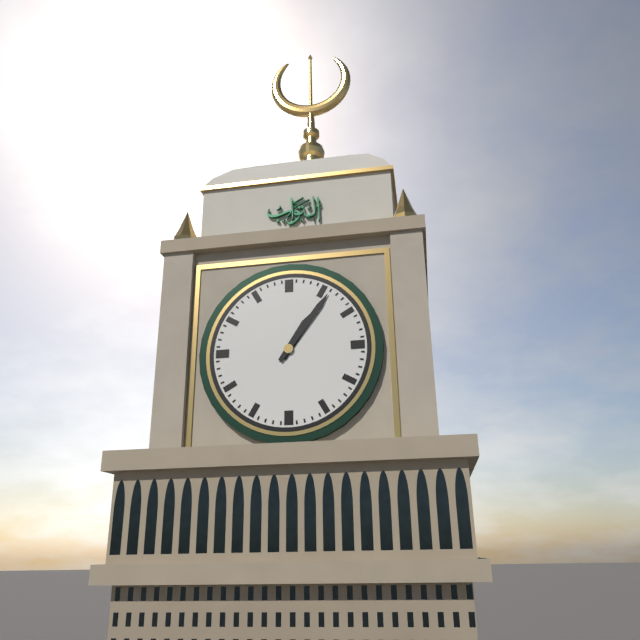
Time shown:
**1:06**
